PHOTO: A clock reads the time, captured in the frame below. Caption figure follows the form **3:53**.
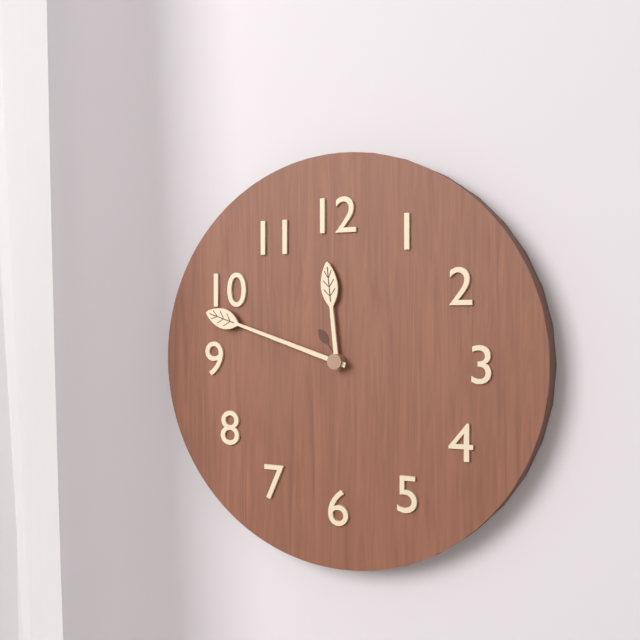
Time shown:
**11:48**
